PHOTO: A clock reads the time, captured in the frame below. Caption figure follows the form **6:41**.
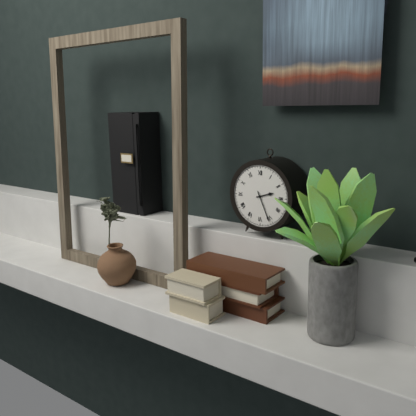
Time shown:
**2:26**
